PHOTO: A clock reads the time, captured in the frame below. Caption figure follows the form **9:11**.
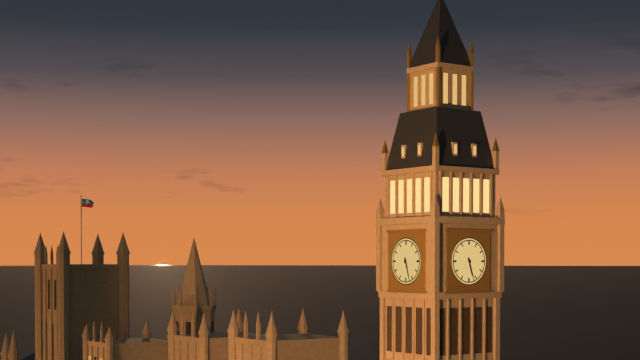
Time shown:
**5:27**
